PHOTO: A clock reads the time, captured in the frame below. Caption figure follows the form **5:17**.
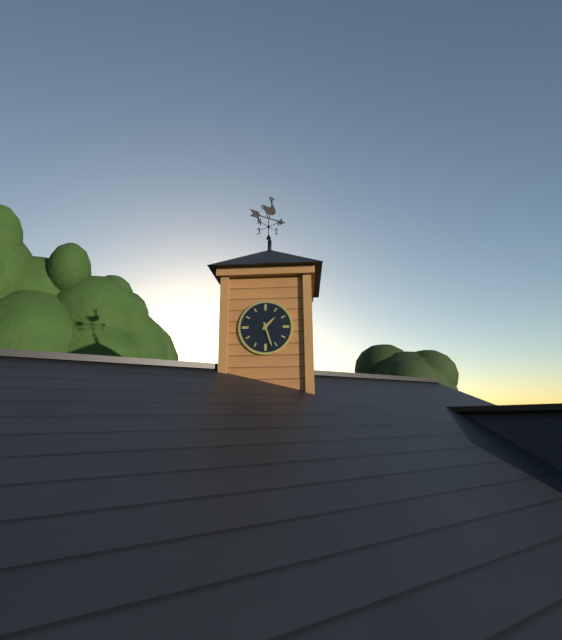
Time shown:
**1:27**
